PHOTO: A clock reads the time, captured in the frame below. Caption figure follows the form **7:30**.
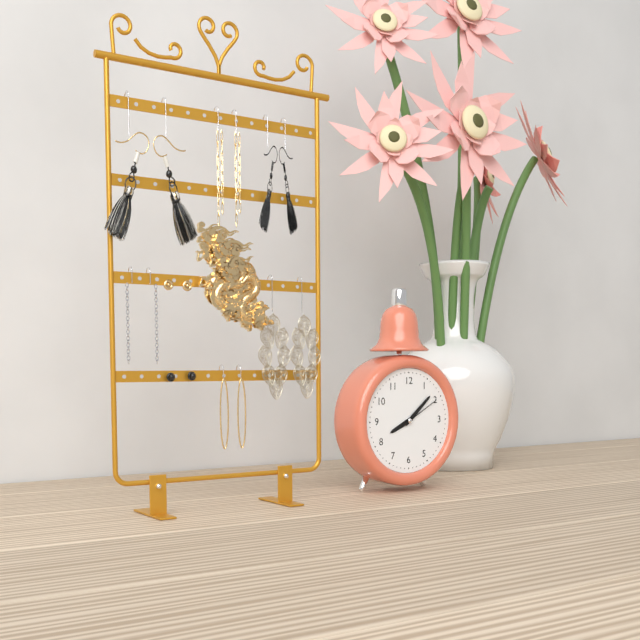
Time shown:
**8:08**
